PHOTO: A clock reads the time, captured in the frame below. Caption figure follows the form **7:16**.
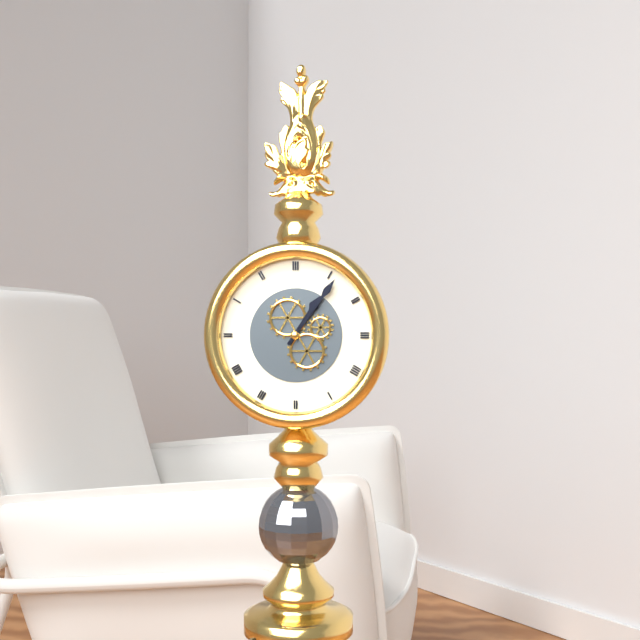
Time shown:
**1:06**
